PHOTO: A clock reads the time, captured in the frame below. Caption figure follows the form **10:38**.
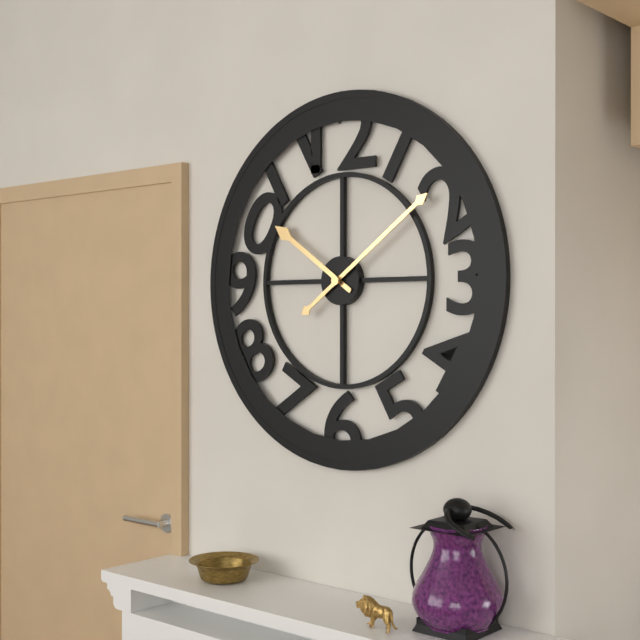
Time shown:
**10:09**
